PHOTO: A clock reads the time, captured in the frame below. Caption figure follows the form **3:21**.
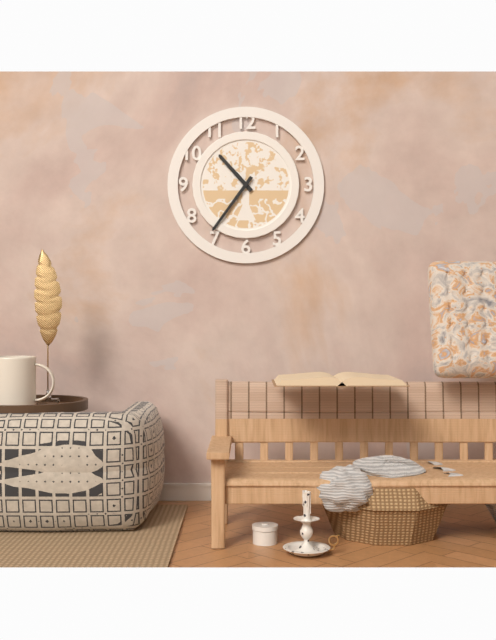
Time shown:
**10:36**
